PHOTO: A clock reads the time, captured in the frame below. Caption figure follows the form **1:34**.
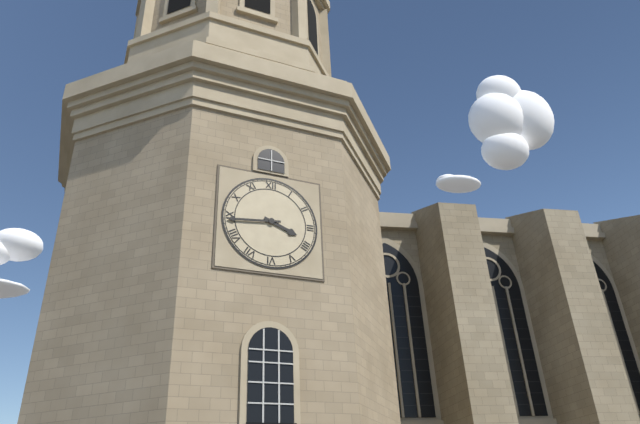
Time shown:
**3:44**
